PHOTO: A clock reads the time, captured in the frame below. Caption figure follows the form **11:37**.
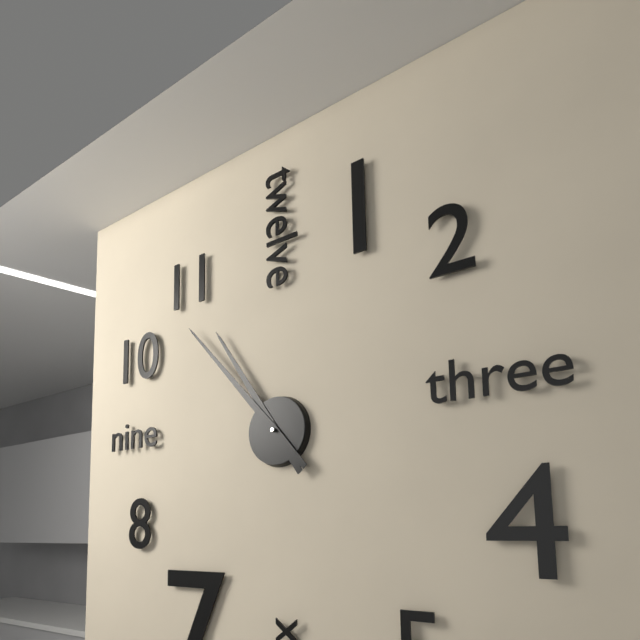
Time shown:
**10:53**
